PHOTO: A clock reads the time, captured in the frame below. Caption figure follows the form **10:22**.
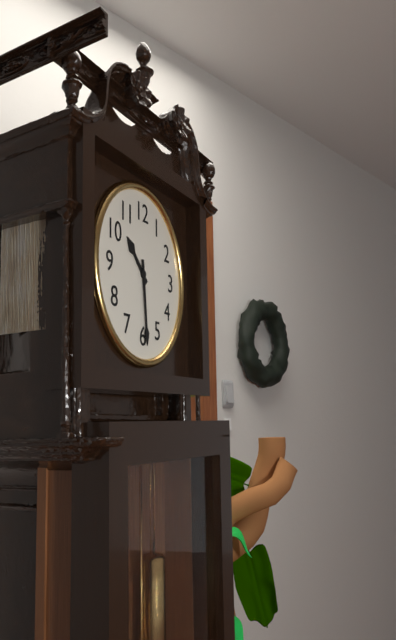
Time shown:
**10:29**
